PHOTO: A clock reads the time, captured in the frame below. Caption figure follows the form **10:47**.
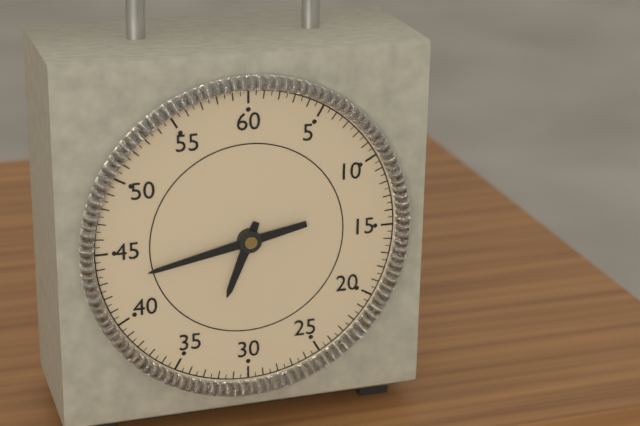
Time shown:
**6:43**
